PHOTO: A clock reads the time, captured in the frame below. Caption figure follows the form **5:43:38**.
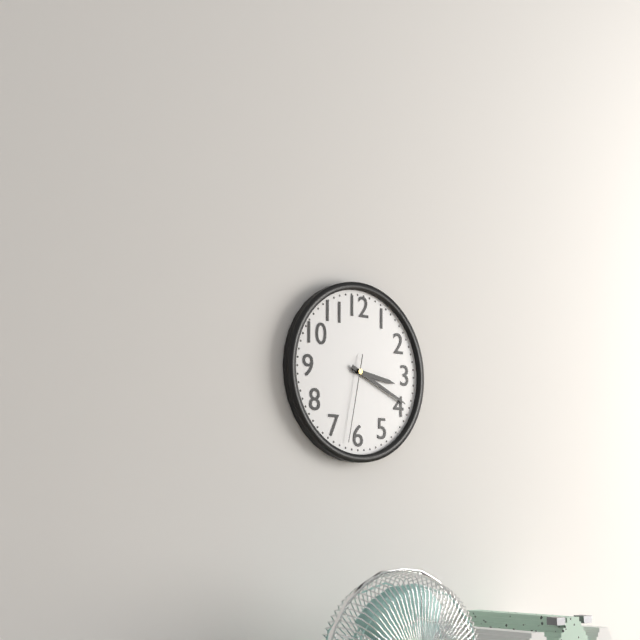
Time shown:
**3:19:32**
